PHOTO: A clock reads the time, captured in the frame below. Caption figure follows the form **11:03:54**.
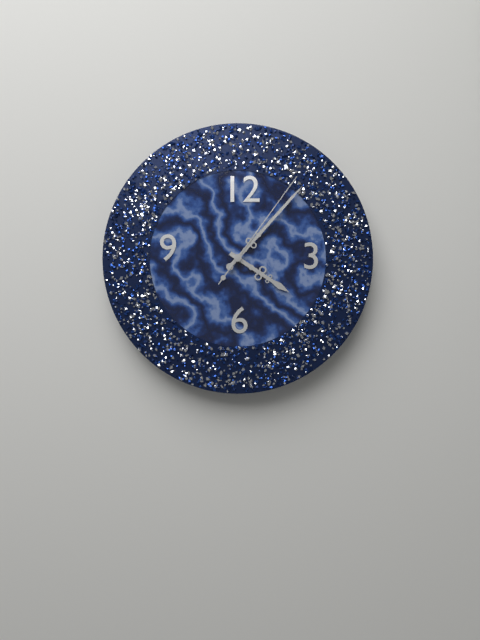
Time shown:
**4:07:06**
